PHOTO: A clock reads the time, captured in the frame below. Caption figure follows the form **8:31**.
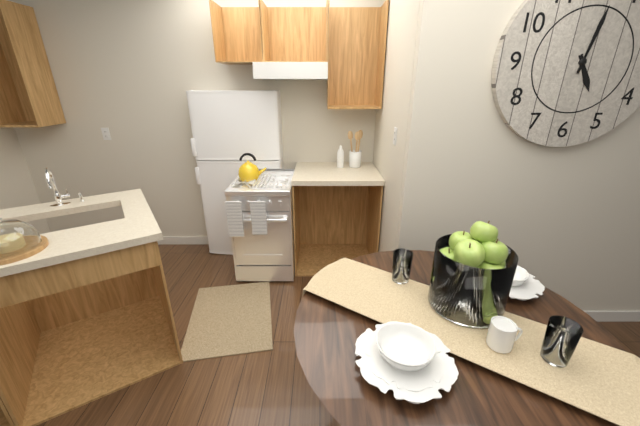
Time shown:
**5:02**
